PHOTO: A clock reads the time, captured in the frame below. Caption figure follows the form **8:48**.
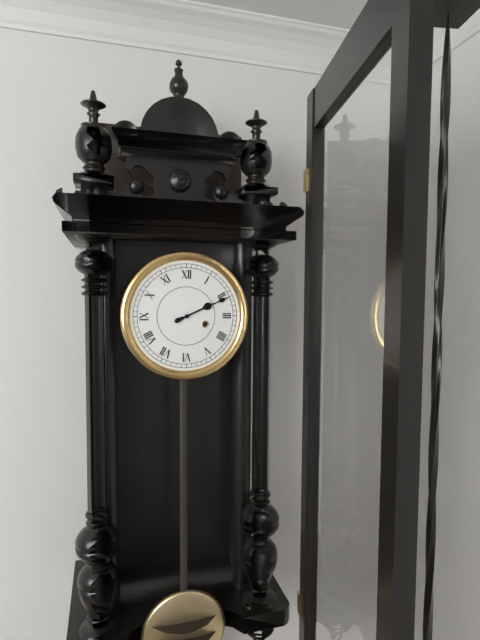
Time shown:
**2:11**
